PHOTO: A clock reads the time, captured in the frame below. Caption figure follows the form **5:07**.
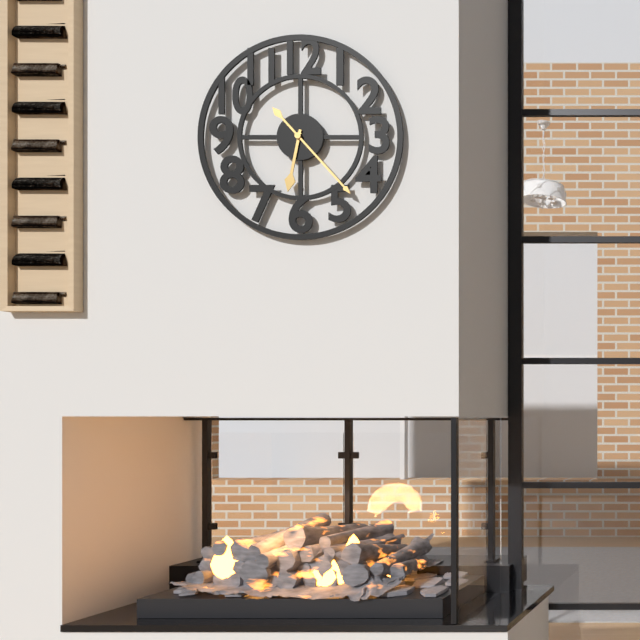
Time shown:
**6:23**
